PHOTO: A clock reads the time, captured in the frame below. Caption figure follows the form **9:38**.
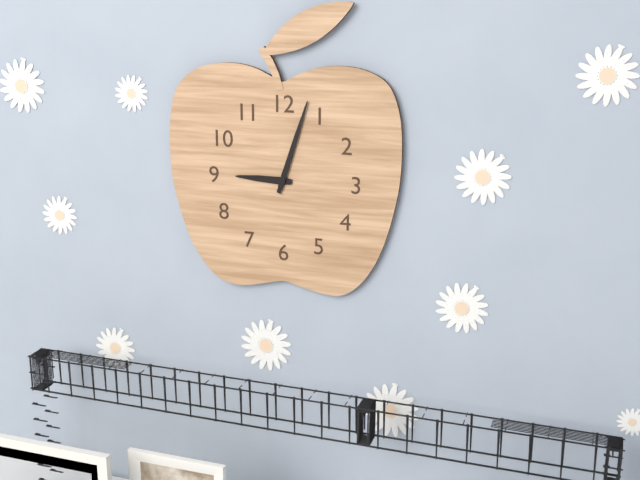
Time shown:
**9:03**
